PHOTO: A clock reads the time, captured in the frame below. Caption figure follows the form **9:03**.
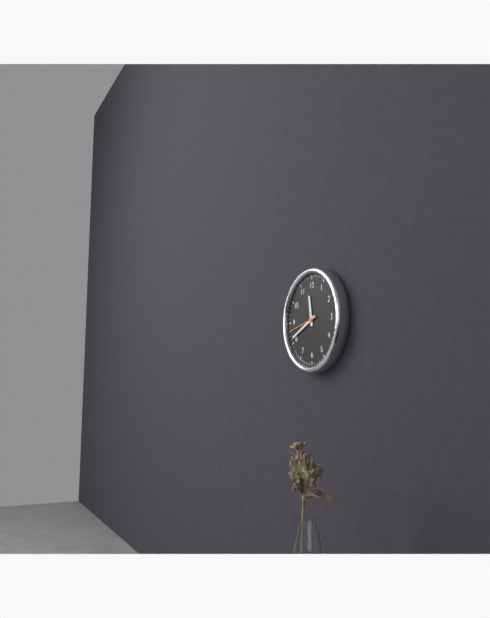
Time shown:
**11:41**
